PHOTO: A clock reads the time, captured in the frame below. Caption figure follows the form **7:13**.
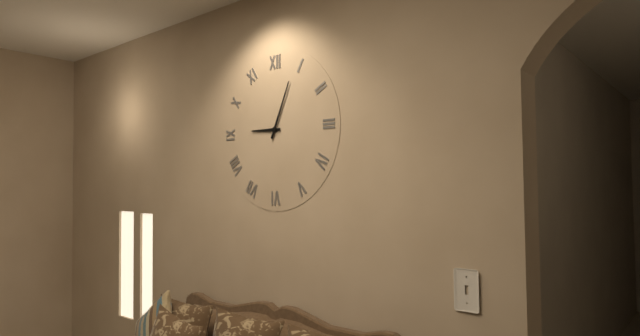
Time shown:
**9:04**
